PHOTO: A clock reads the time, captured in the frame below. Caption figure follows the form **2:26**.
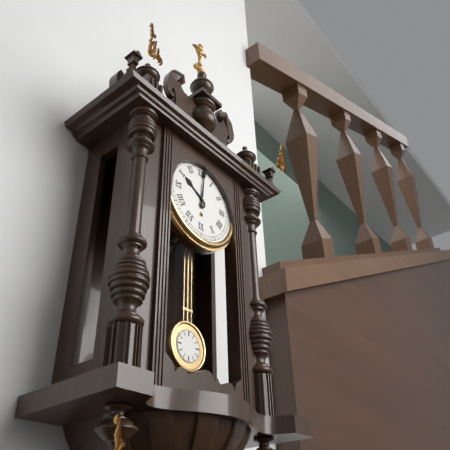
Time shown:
**10:01**
